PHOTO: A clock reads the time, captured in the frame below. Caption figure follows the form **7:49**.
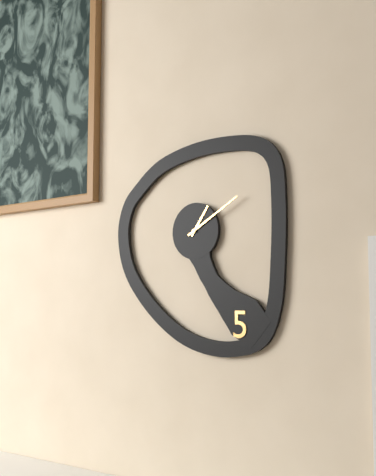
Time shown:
**1:10**
